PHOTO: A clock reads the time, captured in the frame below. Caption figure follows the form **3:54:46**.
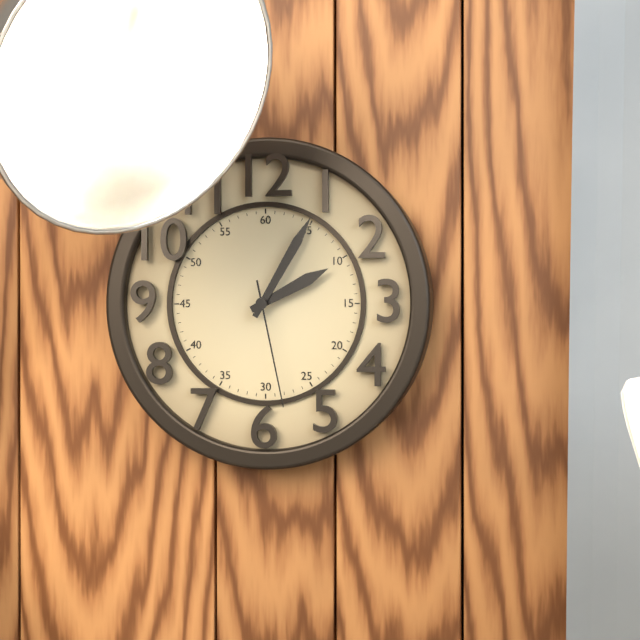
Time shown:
**2:05:28**
